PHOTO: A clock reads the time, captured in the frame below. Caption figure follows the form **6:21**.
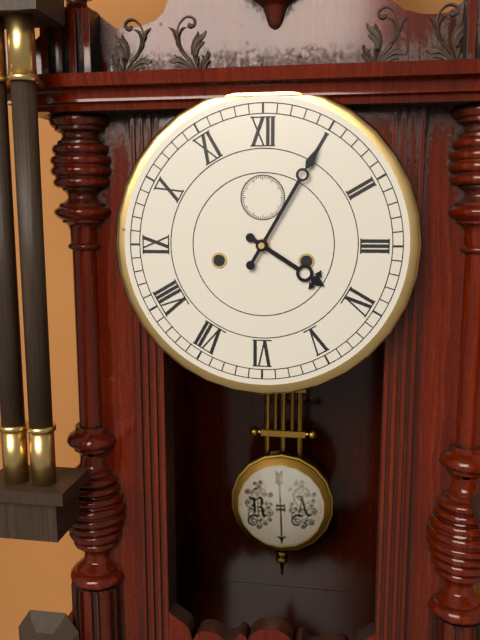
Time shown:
**4:05**
